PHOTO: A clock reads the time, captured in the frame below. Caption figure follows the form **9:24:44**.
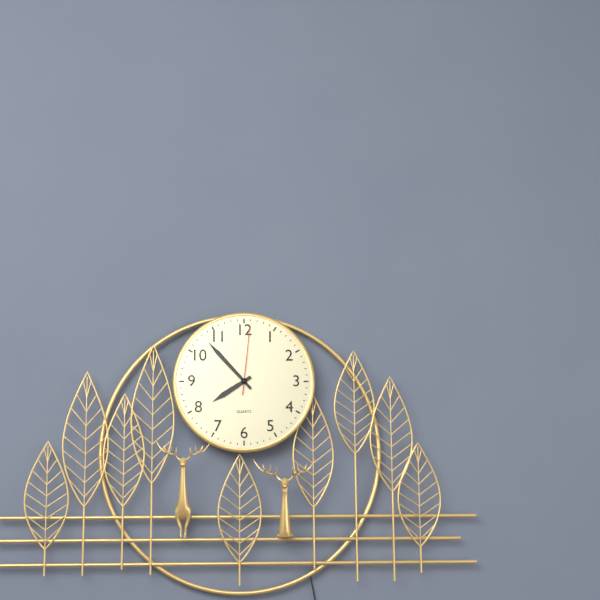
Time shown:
**7:53:01**
